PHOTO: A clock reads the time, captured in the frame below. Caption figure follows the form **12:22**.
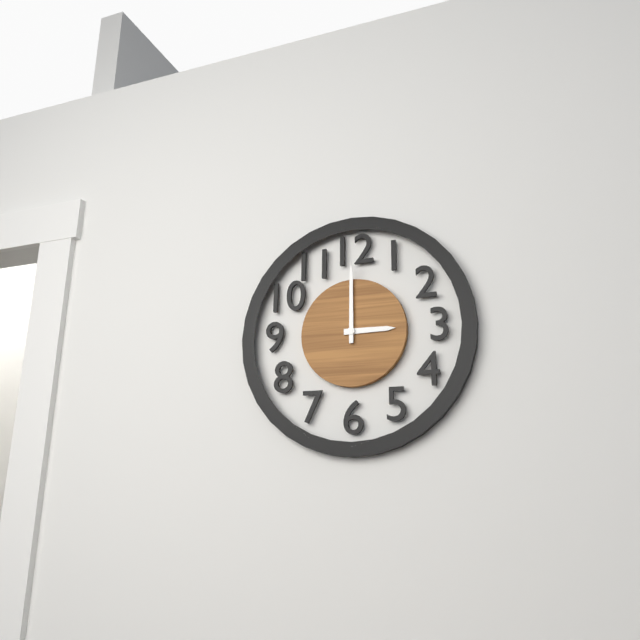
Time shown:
**3:00**
